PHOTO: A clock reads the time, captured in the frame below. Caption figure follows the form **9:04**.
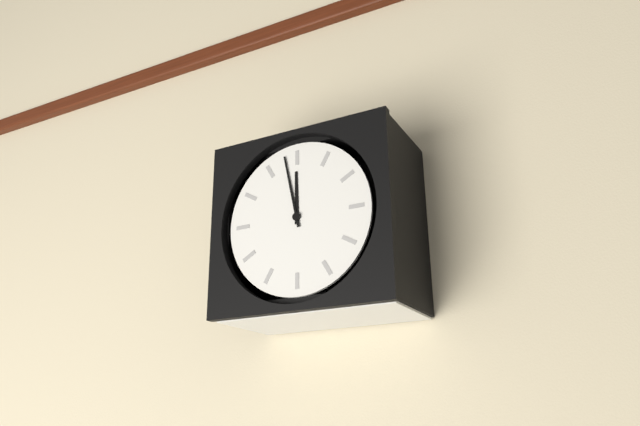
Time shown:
**11:58**
